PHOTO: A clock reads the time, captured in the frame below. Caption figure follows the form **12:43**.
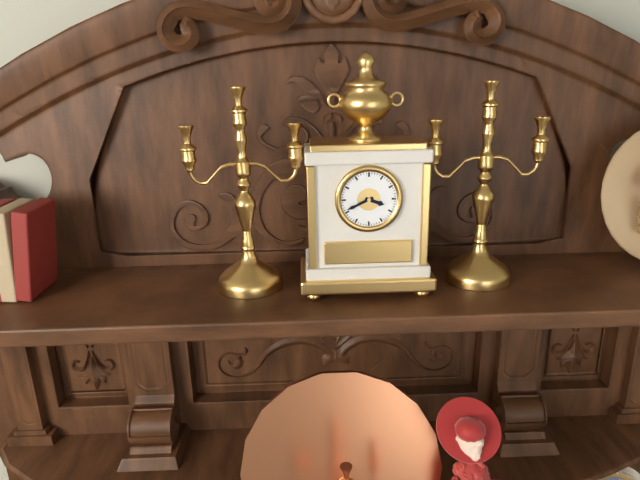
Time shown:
**3:41**
